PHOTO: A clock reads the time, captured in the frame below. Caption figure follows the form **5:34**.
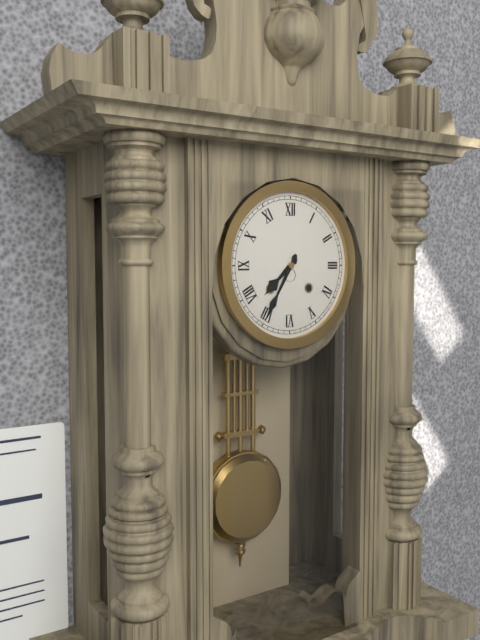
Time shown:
**7:35**
